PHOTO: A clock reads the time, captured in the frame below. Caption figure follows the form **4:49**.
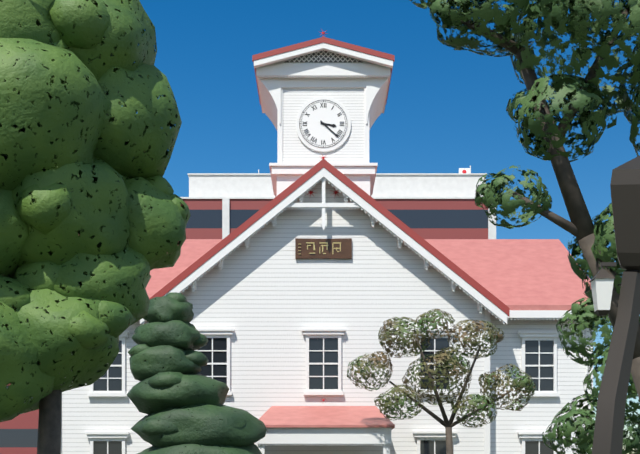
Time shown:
**3:22**
